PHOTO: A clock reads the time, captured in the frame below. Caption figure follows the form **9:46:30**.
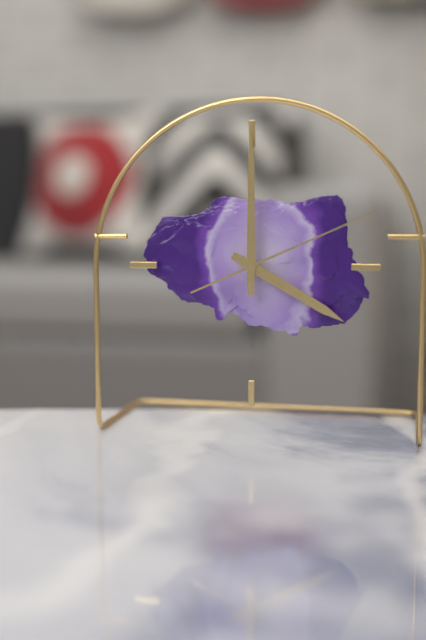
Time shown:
**4:00:11**
